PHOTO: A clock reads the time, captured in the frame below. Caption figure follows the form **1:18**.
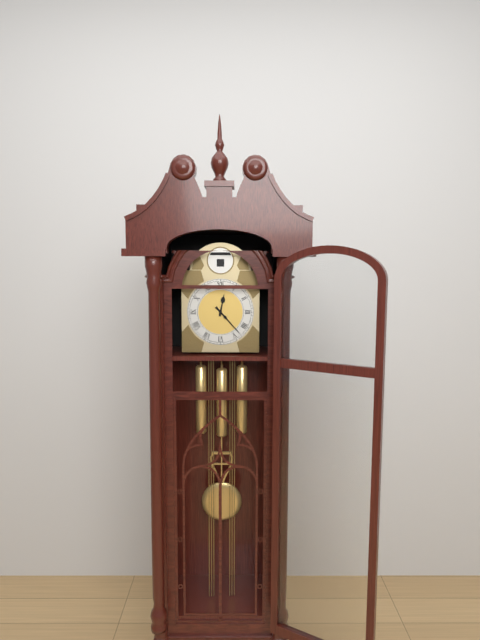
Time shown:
**12:23**
